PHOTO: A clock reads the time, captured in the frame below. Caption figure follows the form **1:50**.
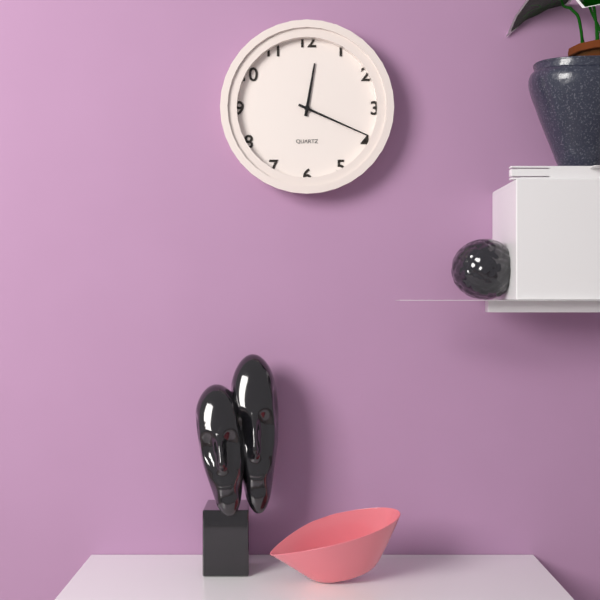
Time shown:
**12:19**
